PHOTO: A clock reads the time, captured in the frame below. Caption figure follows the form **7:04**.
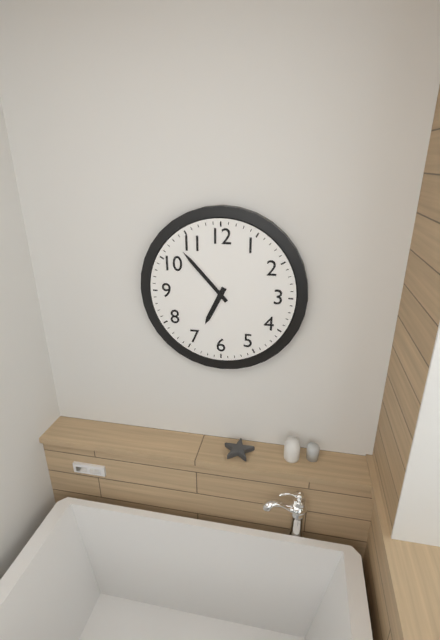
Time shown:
**6:53**
